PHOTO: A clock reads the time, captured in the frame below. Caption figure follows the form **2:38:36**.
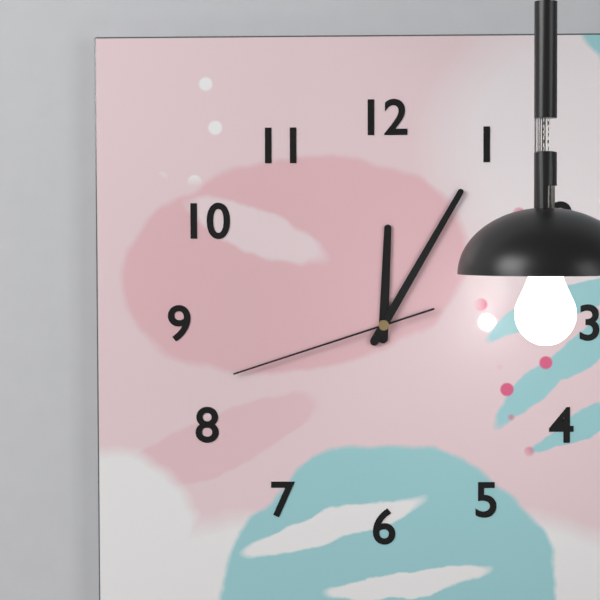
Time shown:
**12:05:42**
